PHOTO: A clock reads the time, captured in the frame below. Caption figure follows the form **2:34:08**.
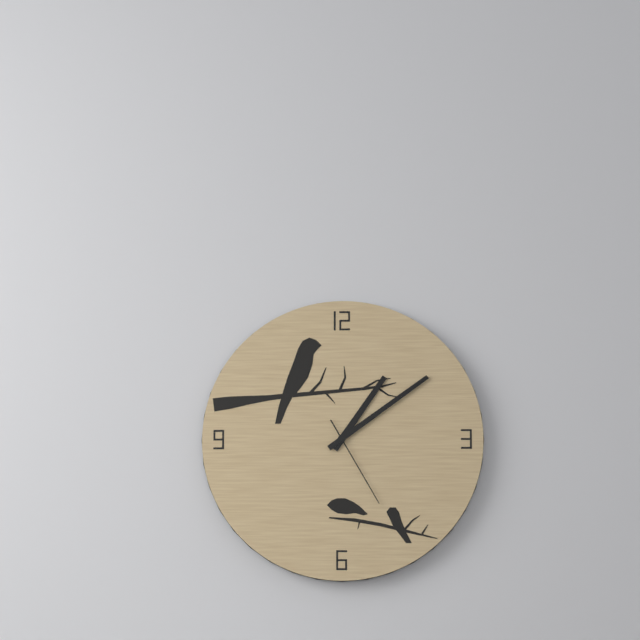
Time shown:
**1:09:25**
